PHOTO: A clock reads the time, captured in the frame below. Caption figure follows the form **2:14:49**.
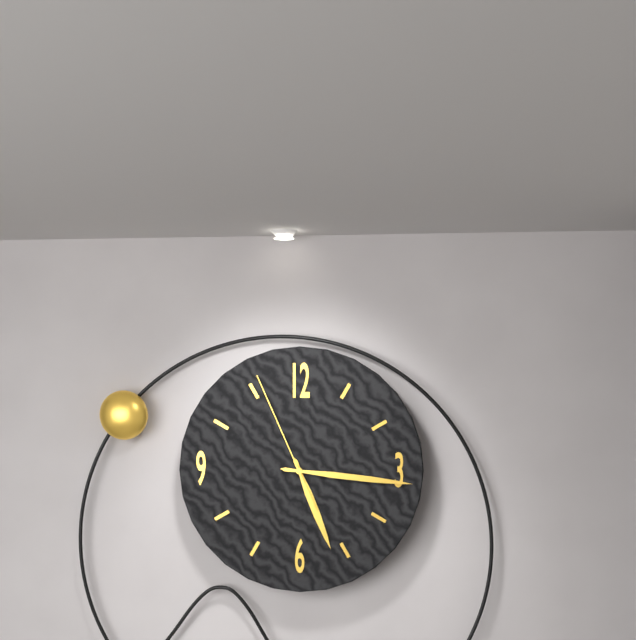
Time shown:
**5:16:56**
